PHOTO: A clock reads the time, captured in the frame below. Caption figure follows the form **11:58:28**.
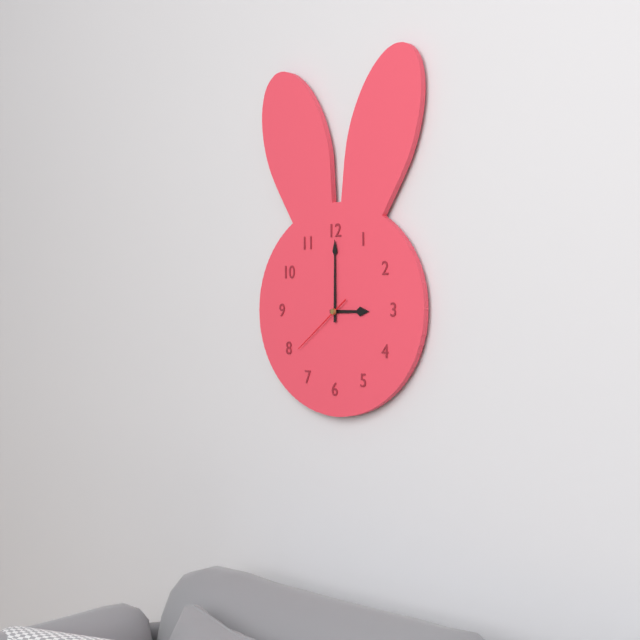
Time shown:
**3:00:39**
